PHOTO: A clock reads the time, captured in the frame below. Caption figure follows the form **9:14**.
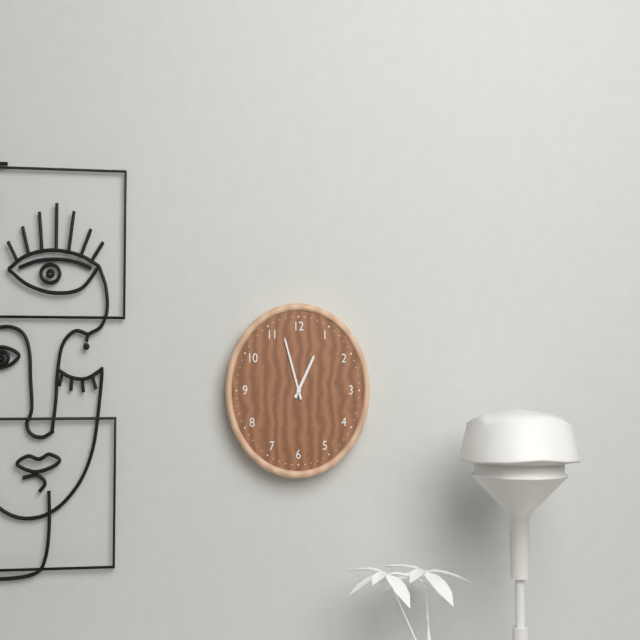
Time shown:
**12:57**
